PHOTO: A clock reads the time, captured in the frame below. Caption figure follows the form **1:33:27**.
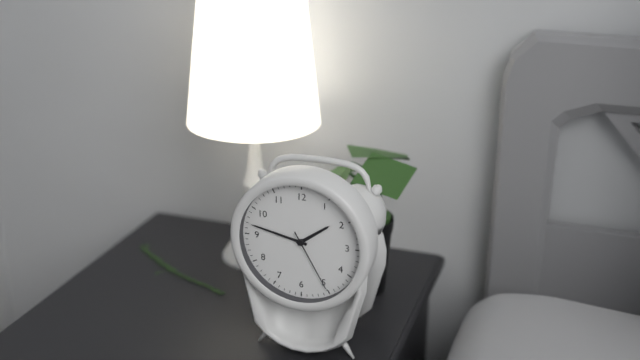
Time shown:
**1:47:25**
